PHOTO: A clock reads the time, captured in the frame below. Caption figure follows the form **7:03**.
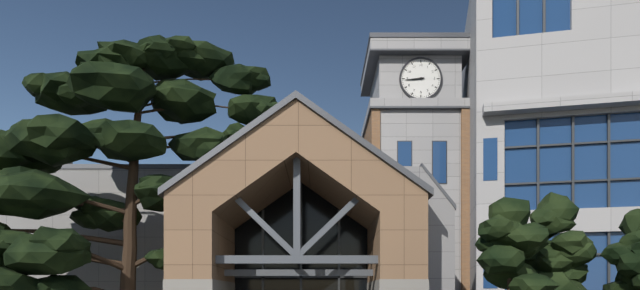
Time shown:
**8:44**
